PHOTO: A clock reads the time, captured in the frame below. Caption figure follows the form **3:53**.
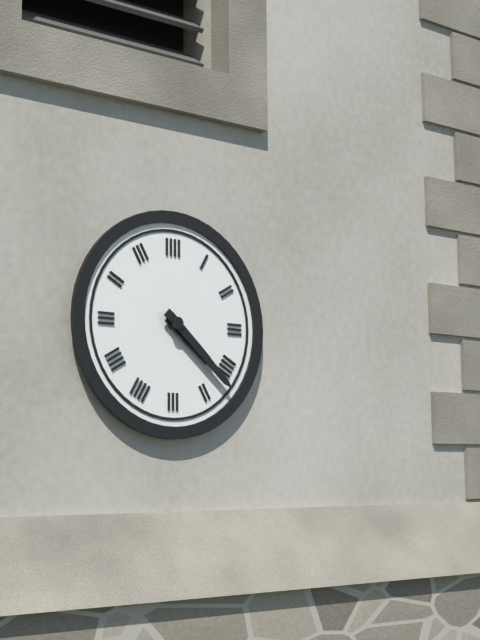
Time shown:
**4:22**
